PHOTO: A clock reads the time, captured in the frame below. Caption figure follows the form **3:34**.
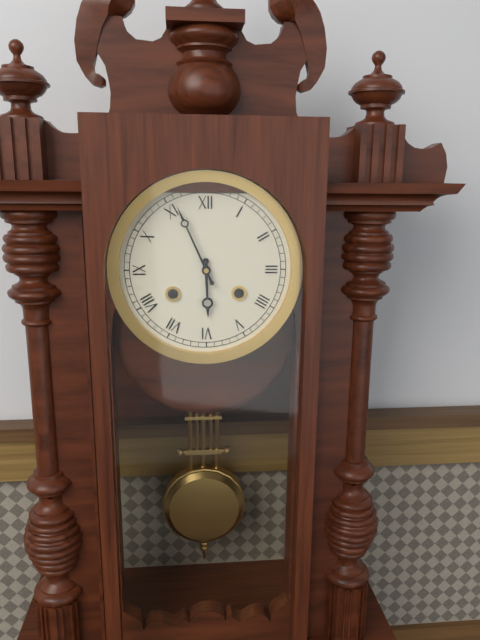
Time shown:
**5:56**
